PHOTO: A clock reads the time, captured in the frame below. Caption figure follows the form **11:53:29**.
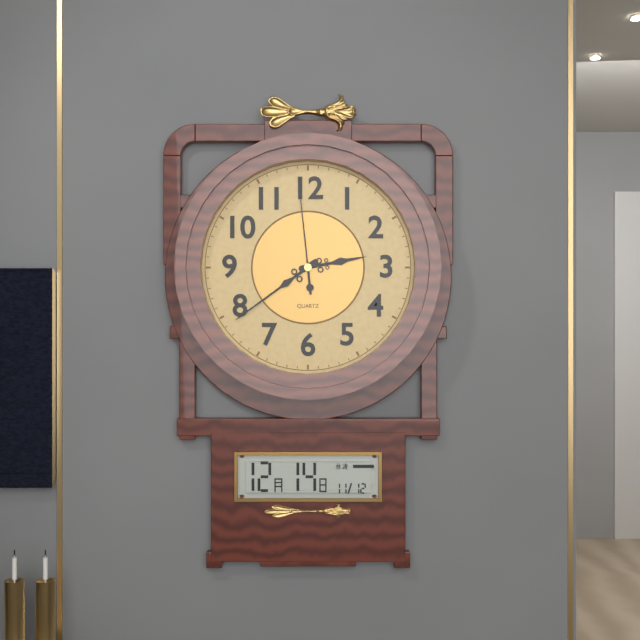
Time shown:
**2:39:59**
